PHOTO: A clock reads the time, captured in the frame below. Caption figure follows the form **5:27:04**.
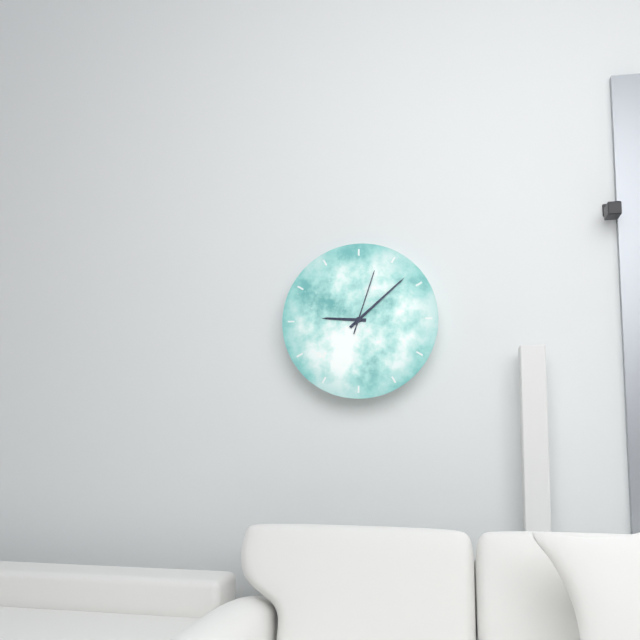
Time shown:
**9:08:03**
